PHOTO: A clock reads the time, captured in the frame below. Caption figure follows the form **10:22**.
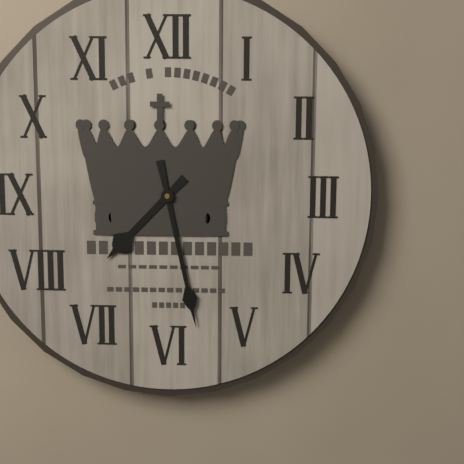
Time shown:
**7:28**
